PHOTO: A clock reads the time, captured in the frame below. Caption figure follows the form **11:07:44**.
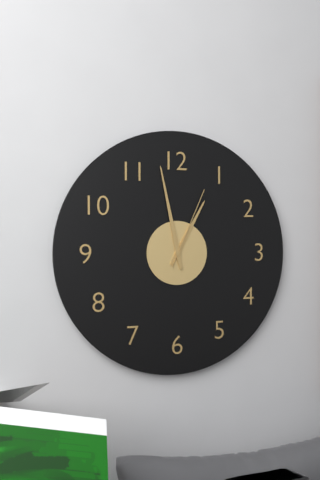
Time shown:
**12:58:04**
